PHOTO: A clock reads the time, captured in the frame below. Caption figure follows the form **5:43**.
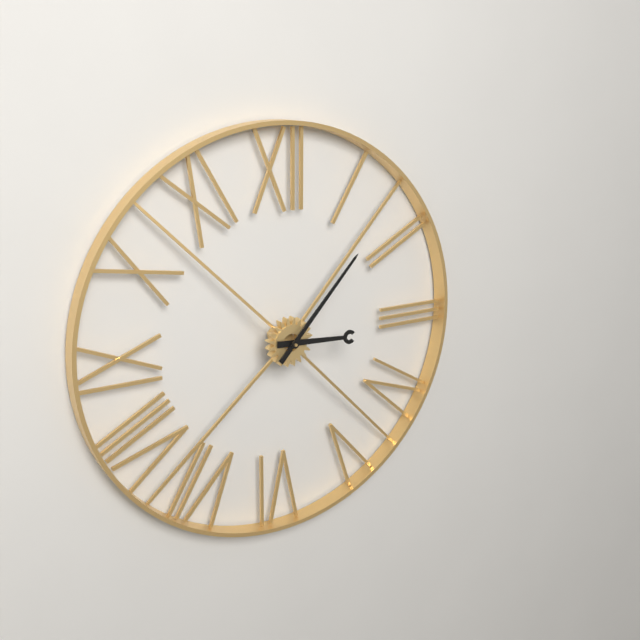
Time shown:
**3:07**
